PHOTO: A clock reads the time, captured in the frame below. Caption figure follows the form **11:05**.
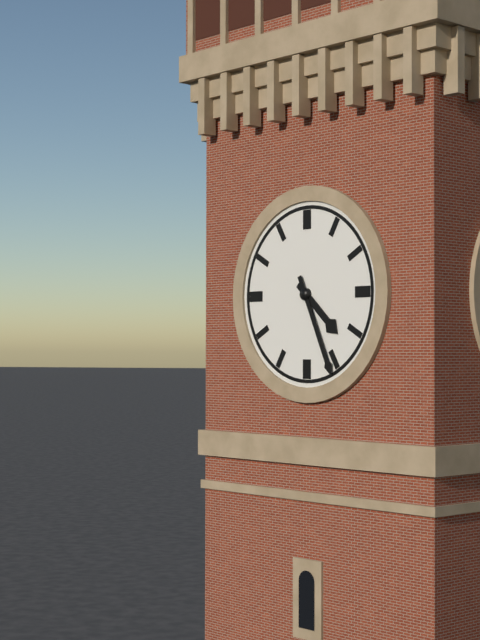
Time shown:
**4:26**
